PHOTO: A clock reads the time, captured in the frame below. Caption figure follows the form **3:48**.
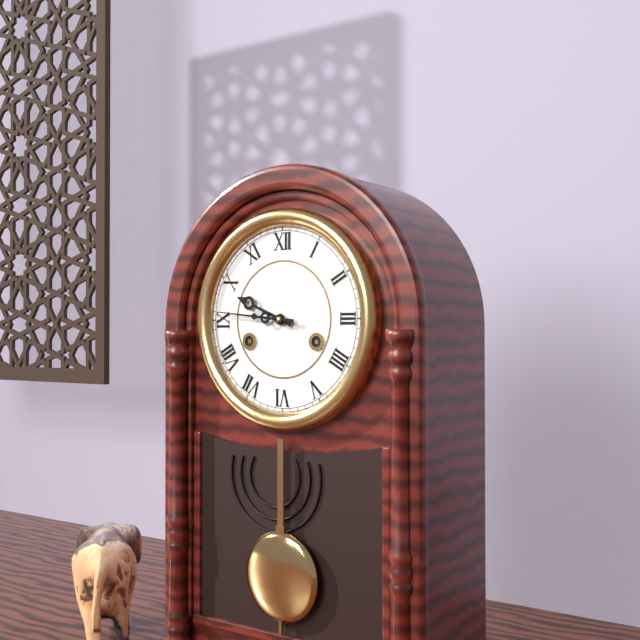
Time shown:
**9:46**
